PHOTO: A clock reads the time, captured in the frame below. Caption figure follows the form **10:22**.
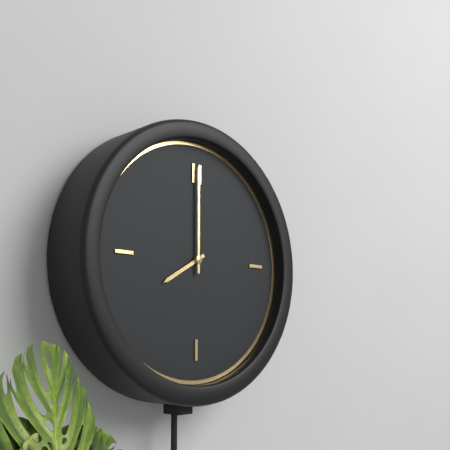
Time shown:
**8:00**
